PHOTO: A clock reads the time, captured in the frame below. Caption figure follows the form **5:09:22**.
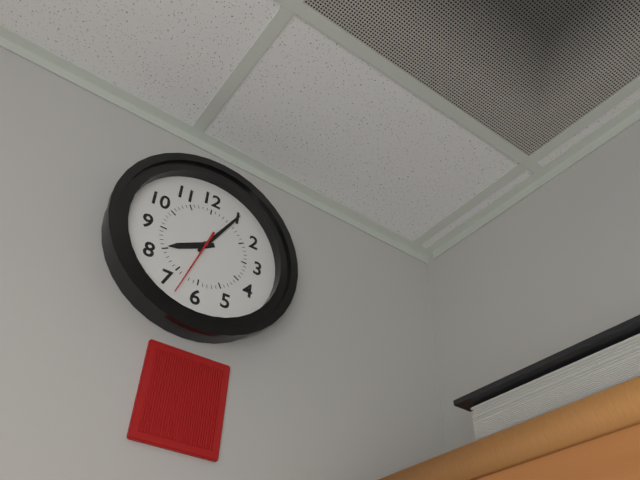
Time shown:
**8:05:33**
